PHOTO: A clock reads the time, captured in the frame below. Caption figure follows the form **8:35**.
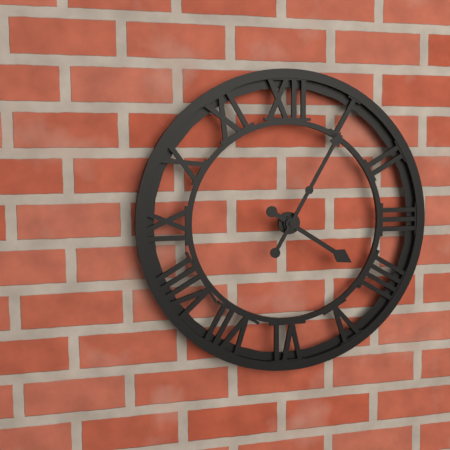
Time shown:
**4:05**
